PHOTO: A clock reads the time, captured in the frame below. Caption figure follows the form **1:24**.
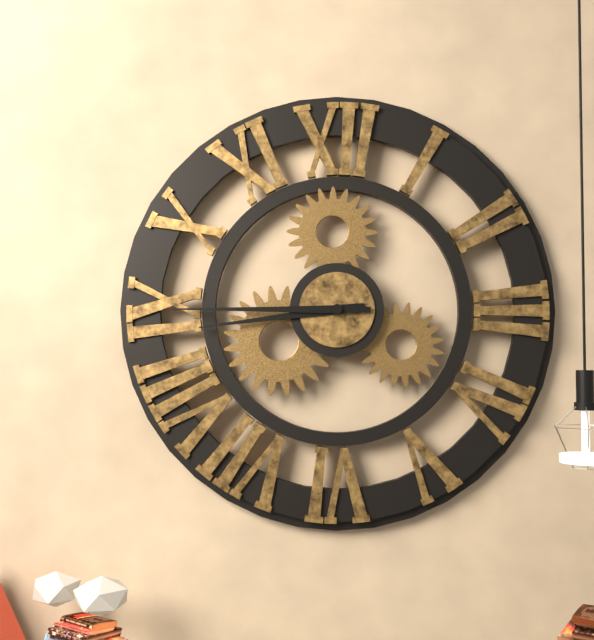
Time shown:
**8:45**
